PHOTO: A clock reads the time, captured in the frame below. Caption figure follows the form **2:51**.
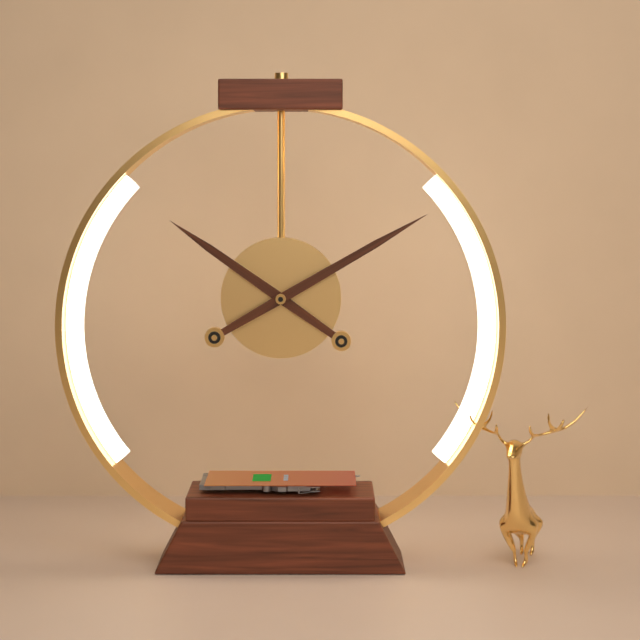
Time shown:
**10:10**
